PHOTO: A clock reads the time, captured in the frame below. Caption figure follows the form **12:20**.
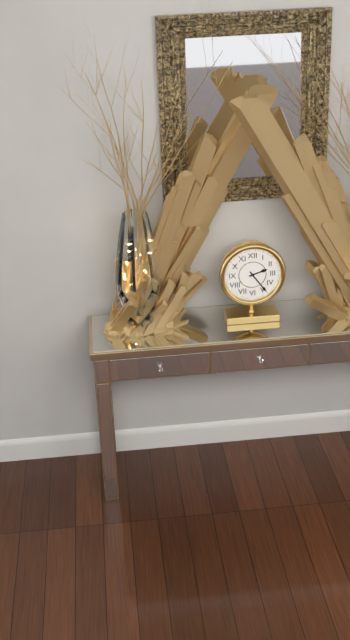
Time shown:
**2:24**
